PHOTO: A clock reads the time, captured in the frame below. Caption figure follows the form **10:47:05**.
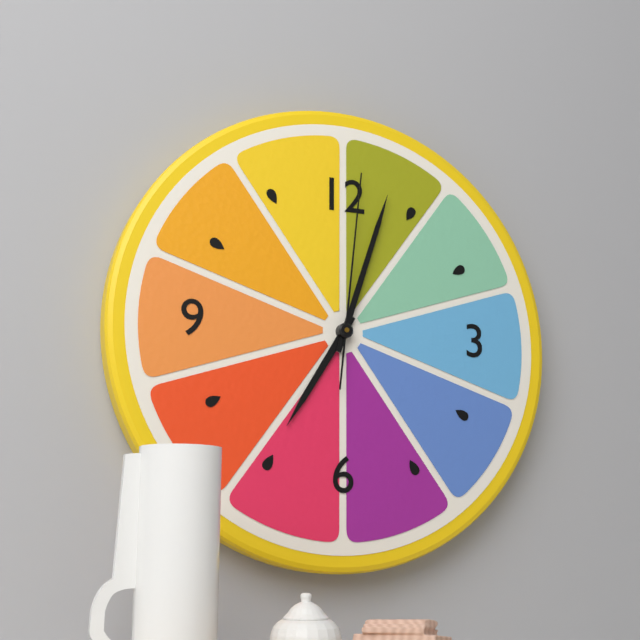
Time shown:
**7:03:01**
